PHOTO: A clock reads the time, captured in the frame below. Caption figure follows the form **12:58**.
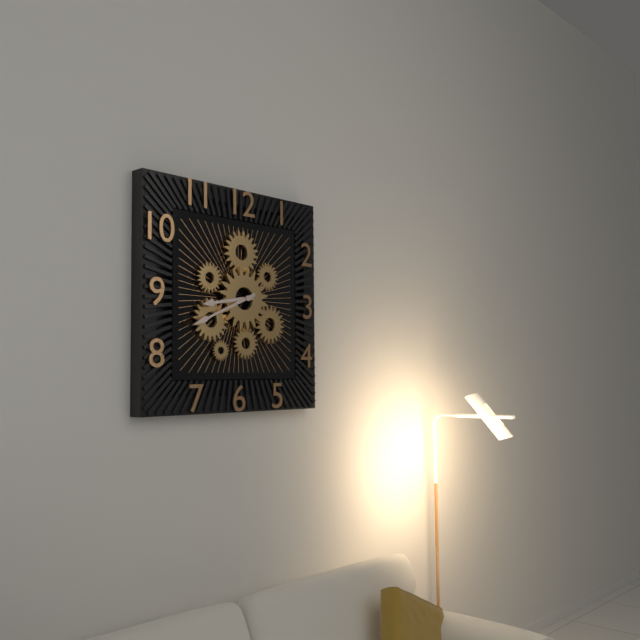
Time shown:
**8:41**
